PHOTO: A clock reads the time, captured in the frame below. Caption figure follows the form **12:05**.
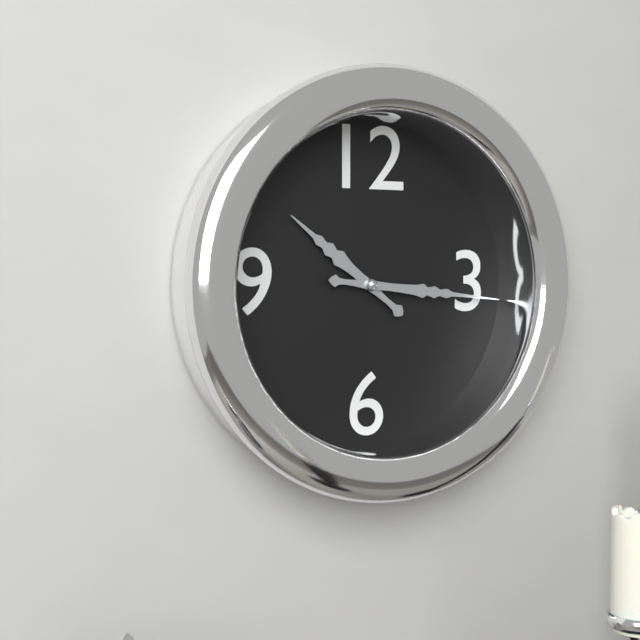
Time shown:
**10:16**
